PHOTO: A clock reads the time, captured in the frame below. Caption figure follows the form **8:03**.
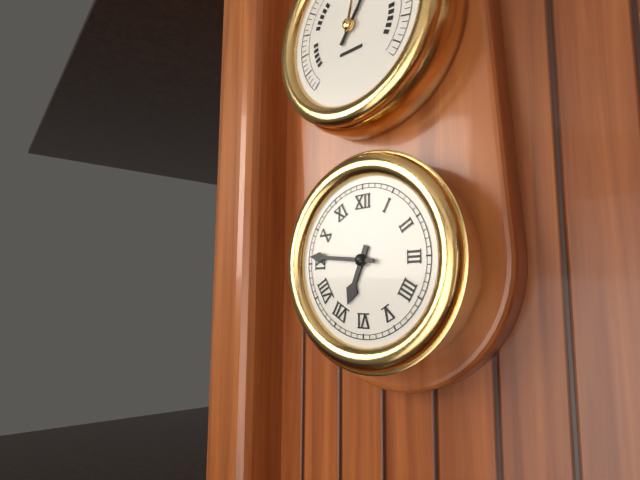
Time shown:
**6:46**
